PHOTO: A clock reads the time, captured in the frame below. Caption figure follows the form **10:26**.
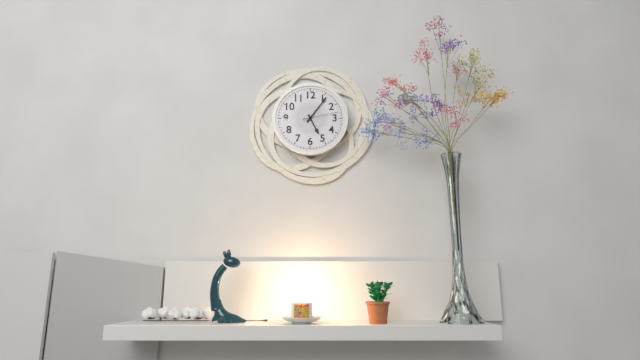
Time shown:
**5:06**
